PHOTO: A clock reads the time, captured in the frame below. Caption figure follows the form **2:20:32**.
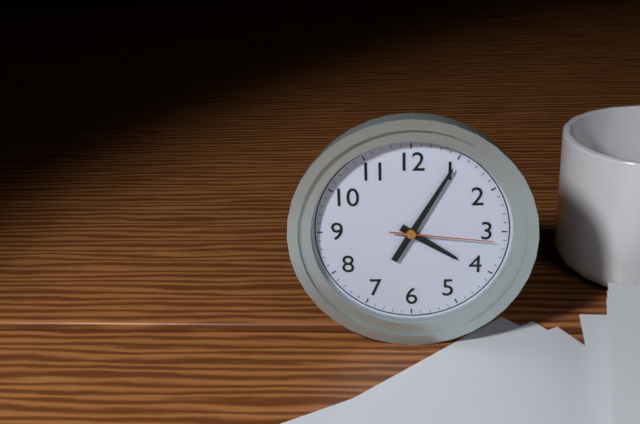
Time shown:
**4:05:16**
